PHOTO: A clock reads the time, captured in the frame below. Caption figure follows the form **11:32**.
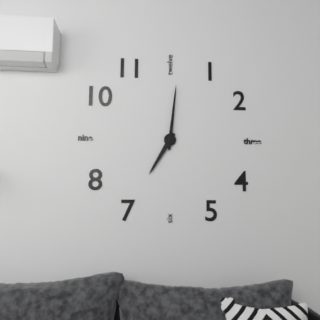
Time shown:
**7:01**
